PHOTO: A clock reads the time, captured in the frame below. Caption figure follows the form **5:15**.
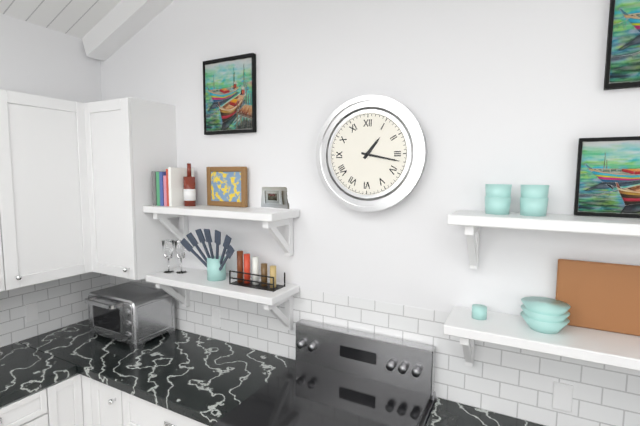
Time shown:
**1:17**
